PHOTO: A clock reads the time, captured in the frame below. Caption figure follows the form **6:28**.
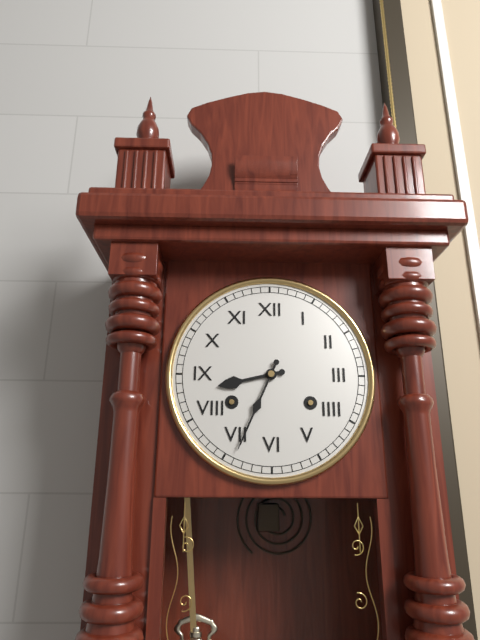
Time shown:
**8:34**
